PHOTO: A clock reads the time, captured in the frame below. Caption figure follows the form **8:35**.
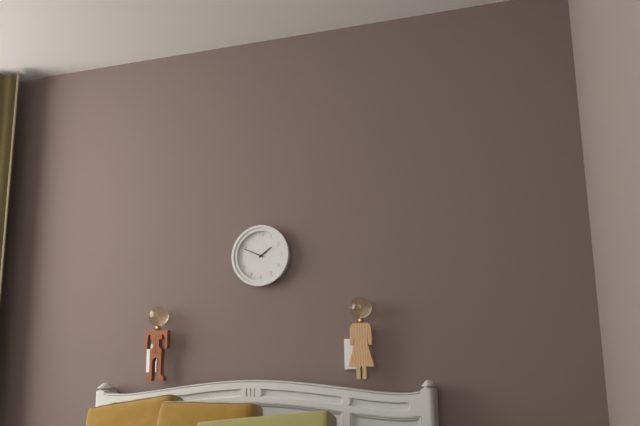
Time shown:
**1:49**
